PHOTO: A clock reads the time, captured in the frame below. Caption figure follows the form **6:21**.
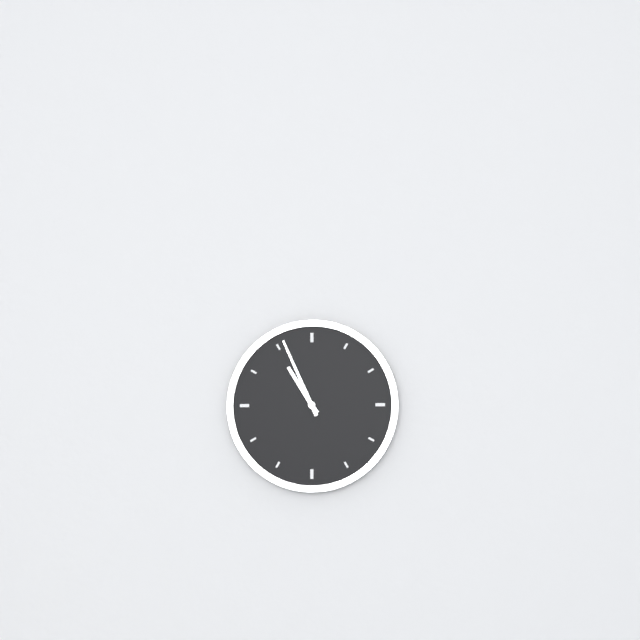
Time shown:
**10:56**
